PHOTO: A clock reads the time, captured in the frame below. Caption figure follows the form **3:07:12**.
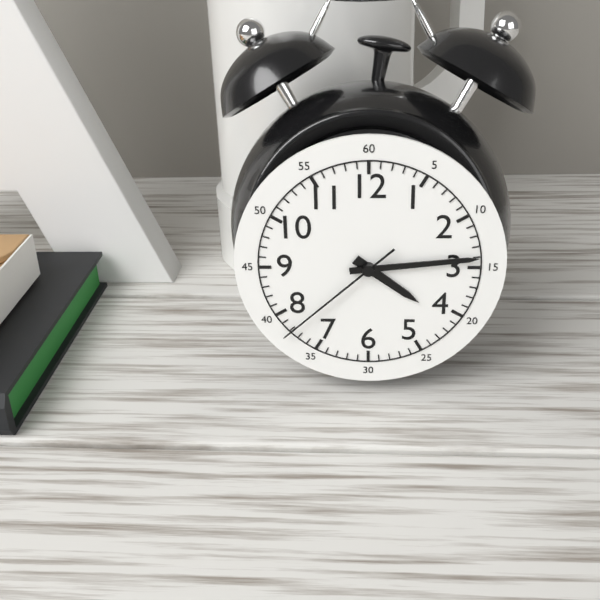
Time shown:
**4:14:38**
